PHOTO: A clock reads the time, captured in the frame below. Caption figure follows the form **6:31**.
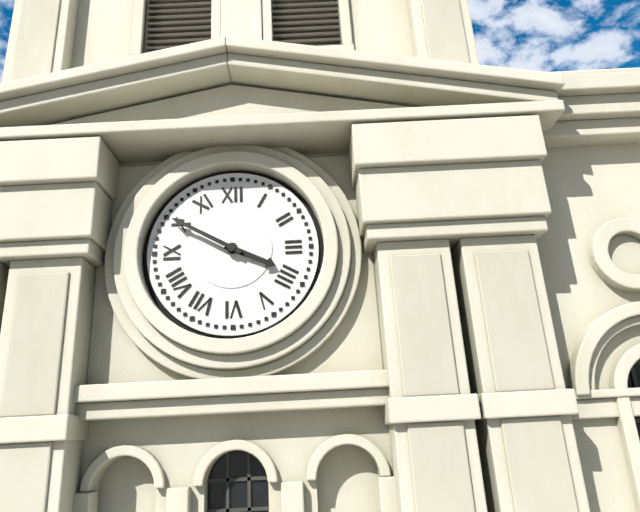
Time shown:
**3:50**
